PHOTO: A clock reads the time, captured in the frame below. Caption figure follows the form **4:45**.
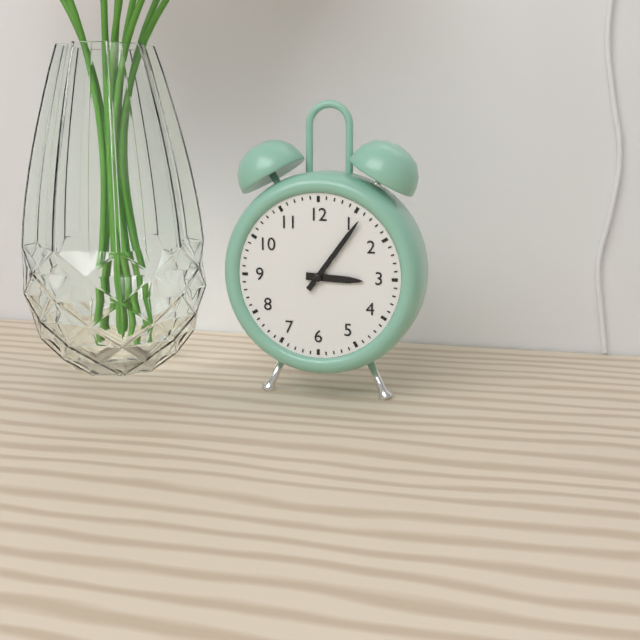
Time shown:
**3:06**
